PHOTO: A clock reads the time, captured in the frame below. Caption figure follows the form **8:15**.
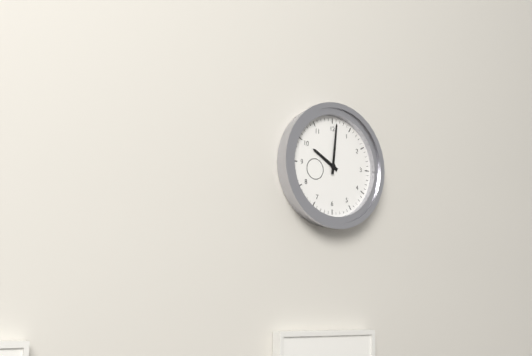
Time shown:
**10:01**
